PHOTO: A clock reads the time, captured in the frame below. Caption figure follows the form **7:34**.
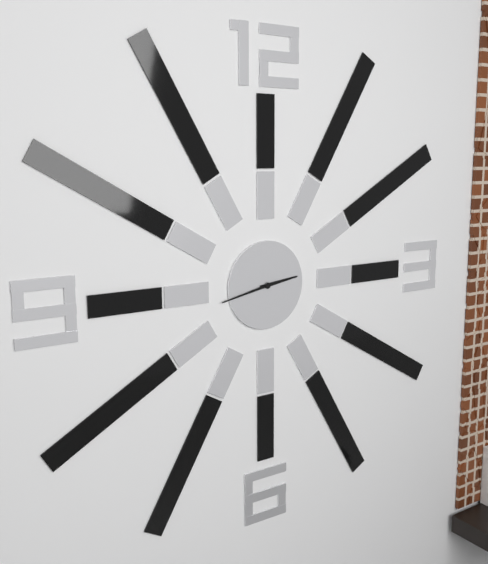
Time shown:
**2:43**
